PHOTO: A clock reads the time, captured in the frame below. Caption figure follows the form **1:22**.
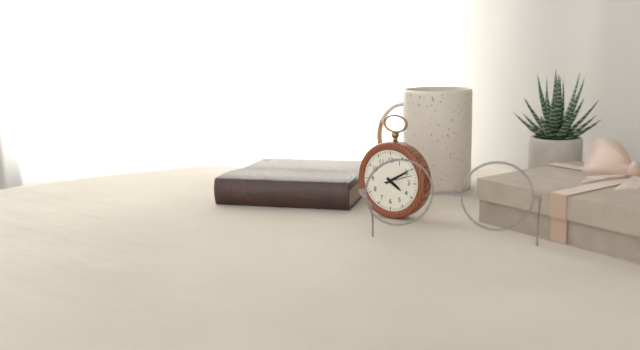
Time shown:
**4:10**
